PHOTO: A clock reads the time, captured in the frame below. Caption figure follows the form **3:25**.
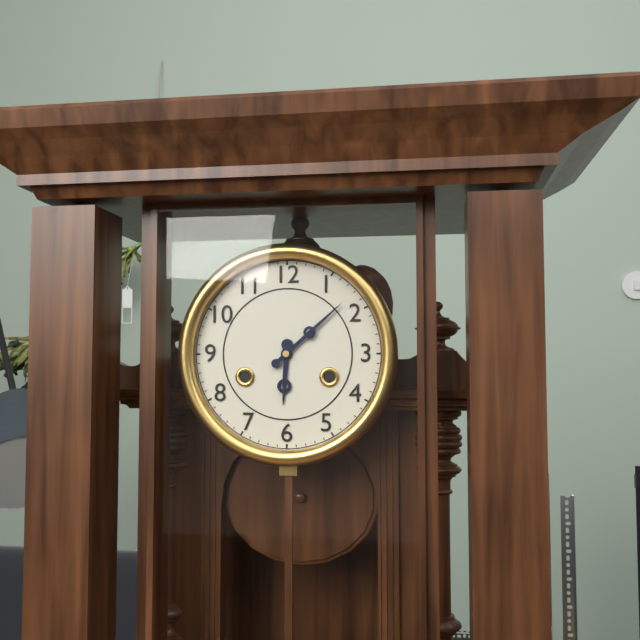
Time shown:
**6:08**
